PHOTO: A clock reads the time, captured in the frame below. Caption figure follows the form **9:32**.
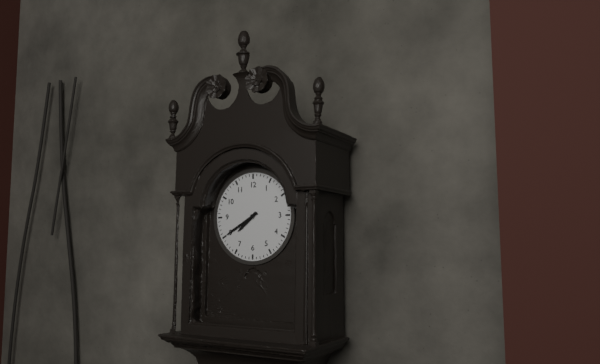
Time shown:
**7:40**
